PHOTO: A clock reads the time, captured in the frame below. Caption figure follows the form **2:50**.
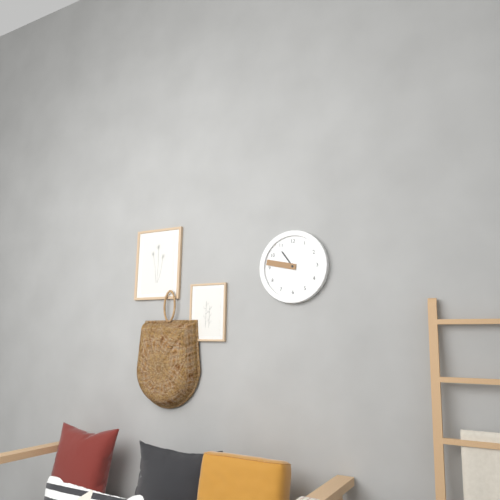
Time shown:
**10:47**
